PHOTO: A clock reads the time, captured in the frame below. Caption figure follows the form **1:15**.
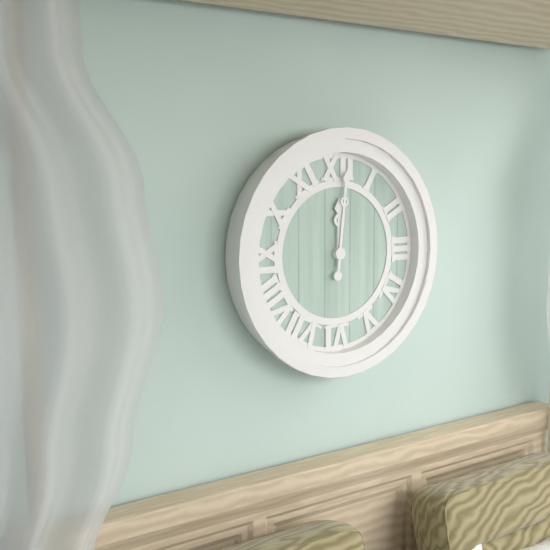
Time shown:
**12:01**
